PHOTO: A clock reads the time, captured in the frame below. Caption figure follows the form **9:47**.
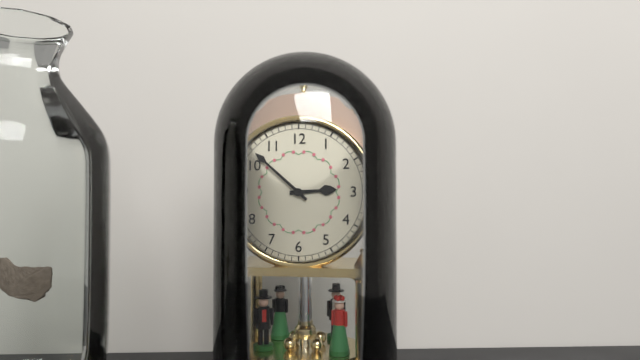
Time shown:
**2:52**
